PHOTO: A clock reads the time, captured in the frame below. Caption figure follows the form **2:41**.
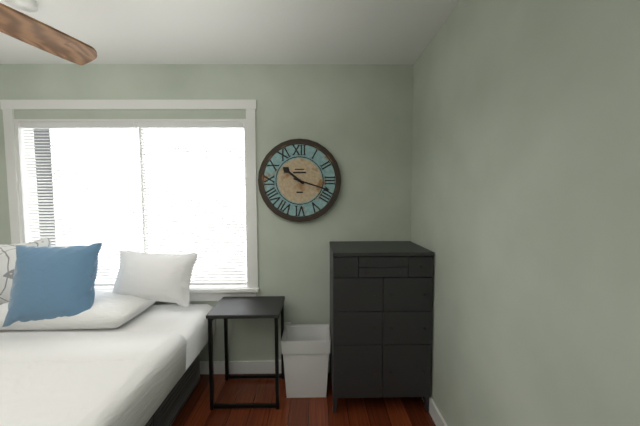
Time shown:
**10:18**
